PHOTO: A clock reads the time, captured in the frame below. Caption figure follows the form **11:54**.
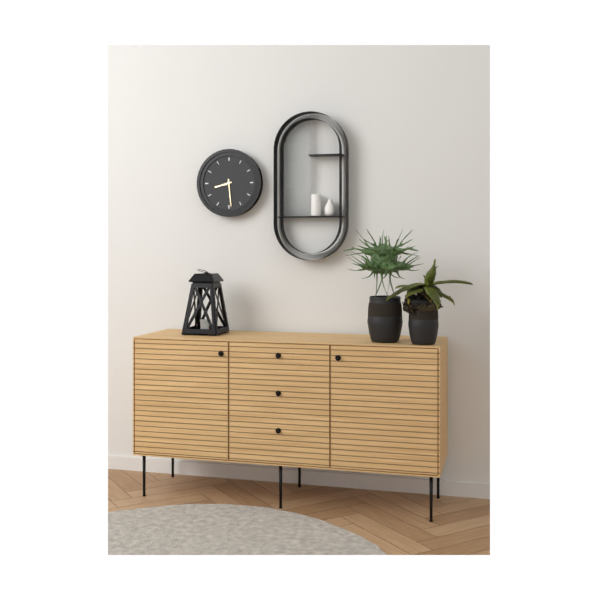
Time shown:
**8:29**
